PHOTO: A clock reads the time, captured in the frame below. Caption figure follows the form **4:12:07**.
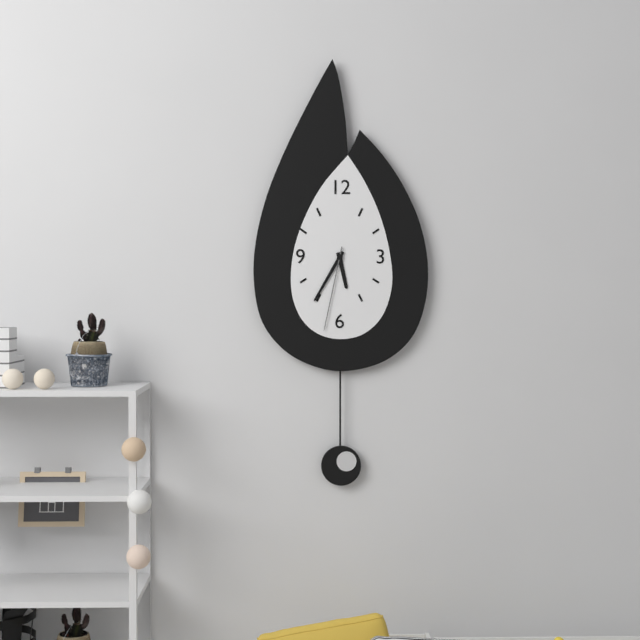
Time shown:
**5:35:32**
